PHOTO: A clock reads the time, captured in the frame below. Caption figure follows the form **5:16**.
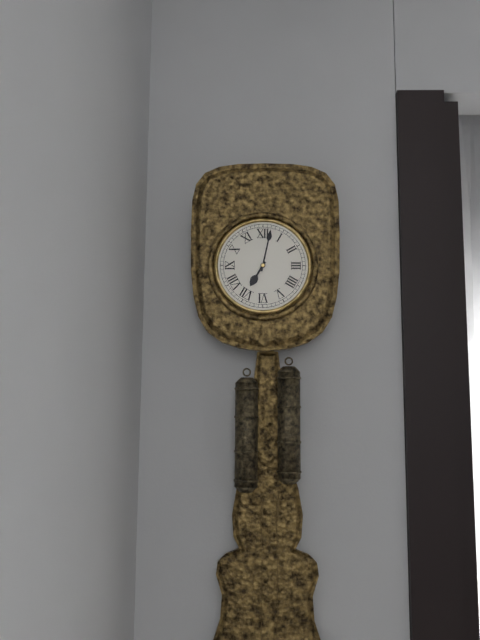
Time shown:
**7:02**
